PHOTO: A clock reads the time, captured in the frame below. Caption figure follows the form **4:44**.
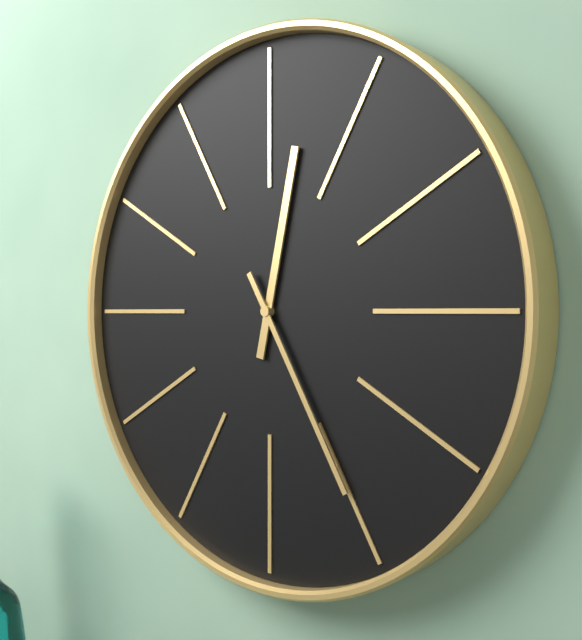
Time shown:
**12:25**
